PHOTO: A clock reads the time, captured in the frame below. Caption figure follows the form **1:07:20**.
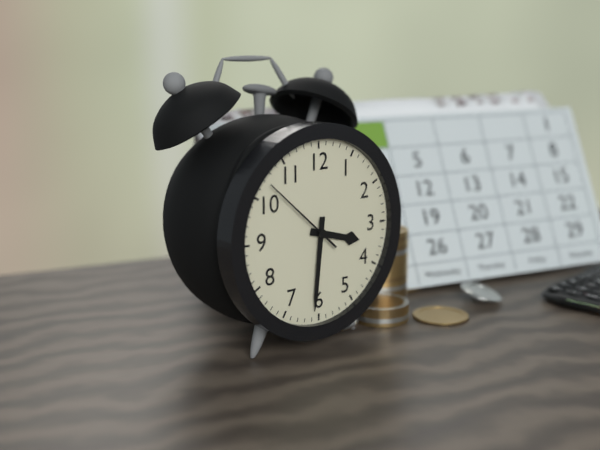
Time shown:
**3:31:52**
